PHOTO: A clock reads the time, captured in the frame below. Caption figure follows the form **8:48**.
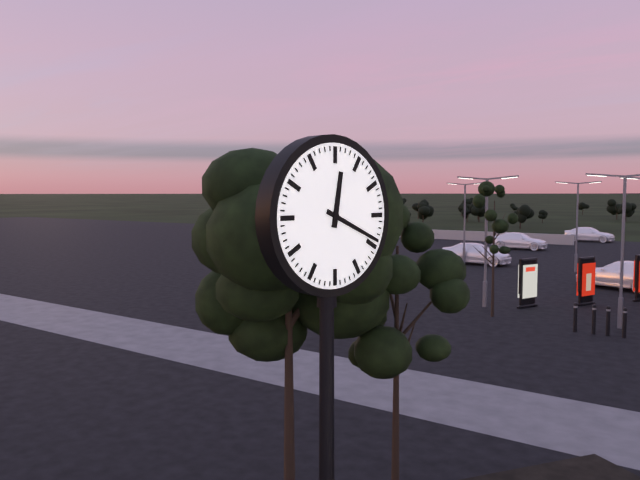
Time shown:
**12:19**
